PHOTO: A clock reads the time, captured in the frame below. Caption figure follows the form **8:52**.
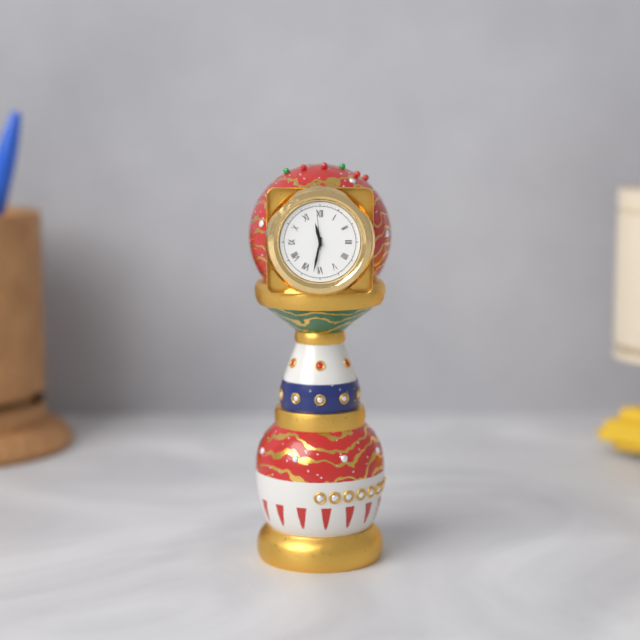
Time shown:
**11:32**
